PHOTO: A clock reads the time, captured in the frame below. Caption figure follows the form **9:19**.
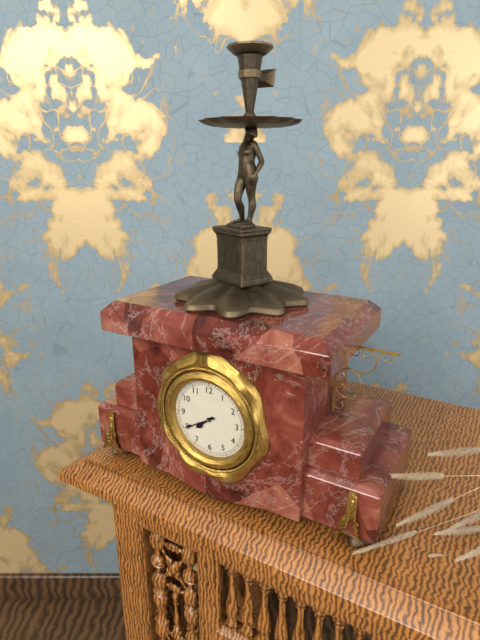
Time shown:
**7:40**
